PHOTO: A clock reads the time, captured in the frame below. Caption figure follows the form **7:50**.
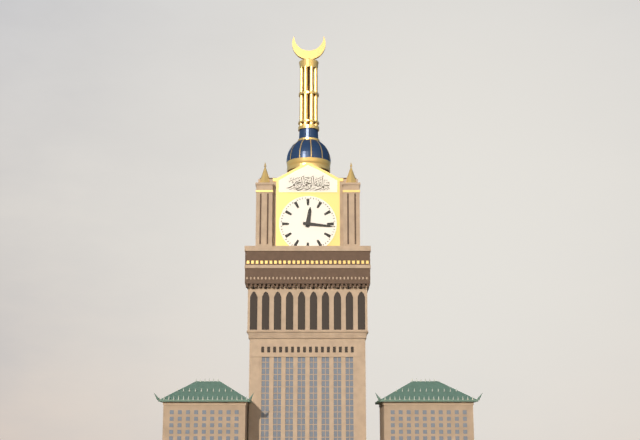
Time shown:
**12:16**
